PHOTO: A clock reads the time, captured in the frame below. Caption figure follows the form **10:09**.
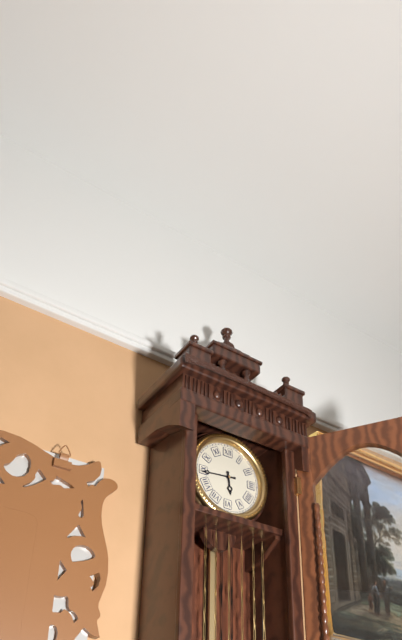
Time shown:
**5:44**
